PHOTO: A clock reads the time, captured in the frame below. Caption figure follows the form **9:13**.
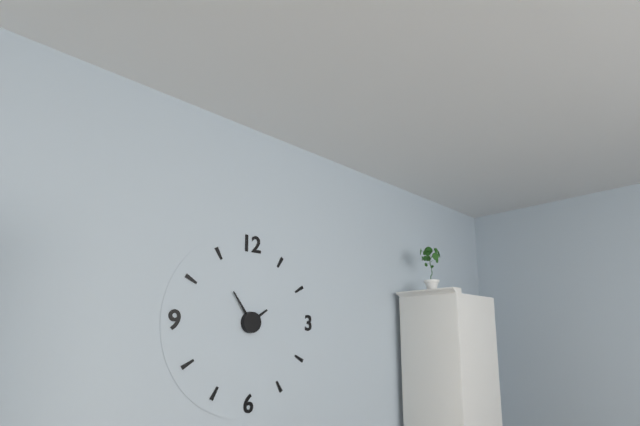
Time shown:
**1:54**
